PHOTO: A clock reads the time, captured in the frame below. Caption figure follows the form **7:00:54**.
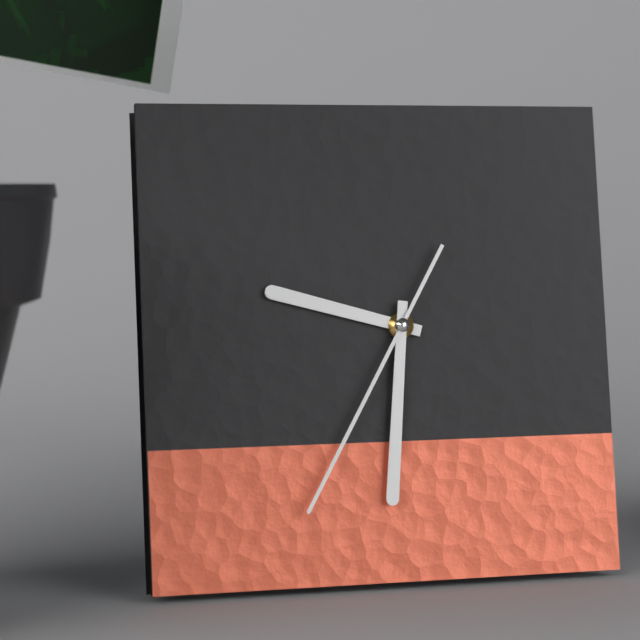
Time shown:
**9:31:35**
